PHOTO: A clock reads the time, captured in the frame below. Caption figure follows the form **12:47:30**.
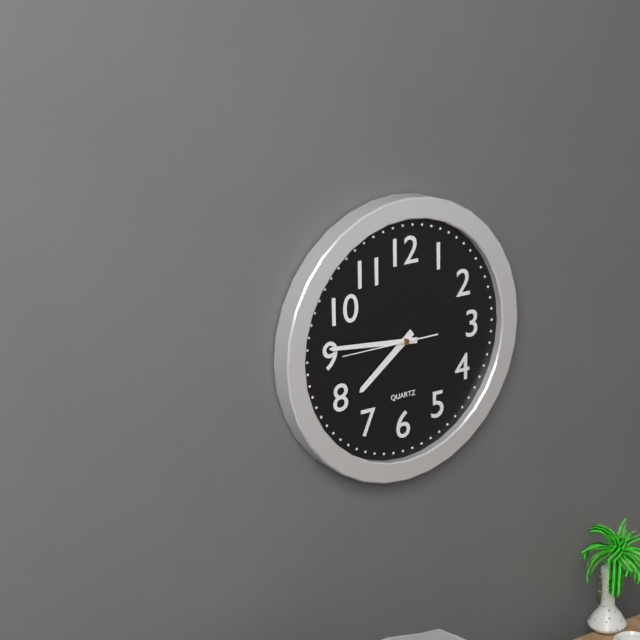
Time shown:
**7:46:45**
